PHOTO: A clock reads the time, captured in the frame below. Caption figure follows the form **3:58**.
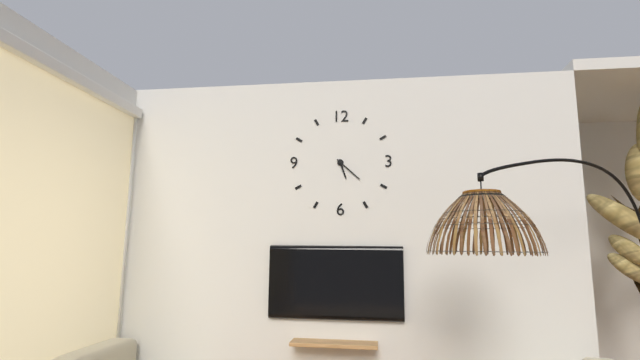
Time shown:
**5:22**
